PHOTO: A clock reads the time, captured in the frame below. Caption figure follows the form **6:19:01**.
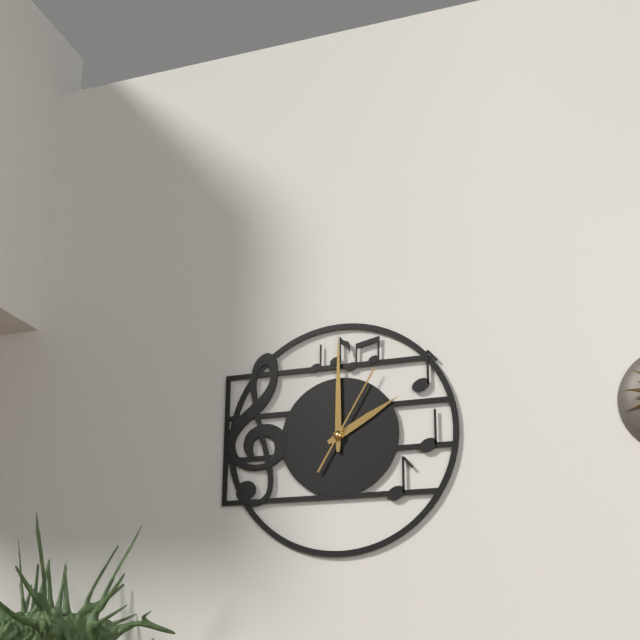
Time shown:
**2:00:05**
